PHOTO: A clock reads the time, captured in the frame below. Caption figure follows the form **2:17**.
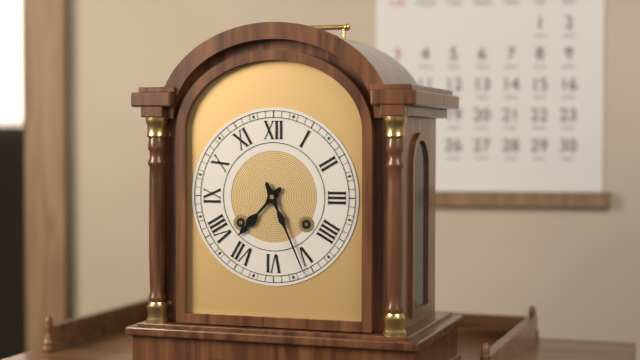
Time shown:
**7:26**
